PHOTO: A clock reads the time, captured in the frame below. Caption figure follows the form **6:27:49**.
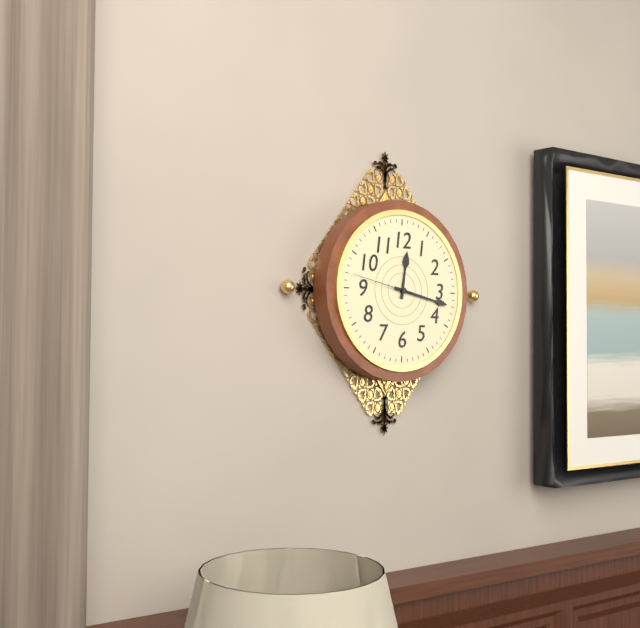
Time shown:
**12:17:47**
